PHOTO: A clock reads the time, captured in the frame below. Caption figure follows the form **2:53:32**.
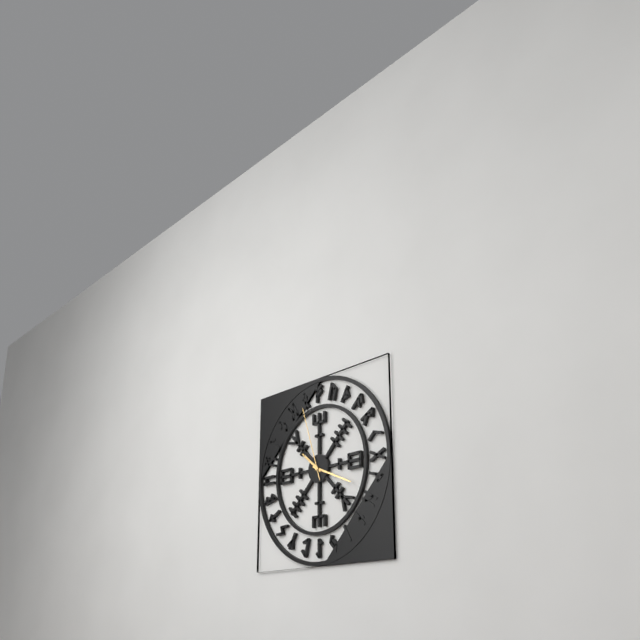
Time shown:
**10:19:57**
